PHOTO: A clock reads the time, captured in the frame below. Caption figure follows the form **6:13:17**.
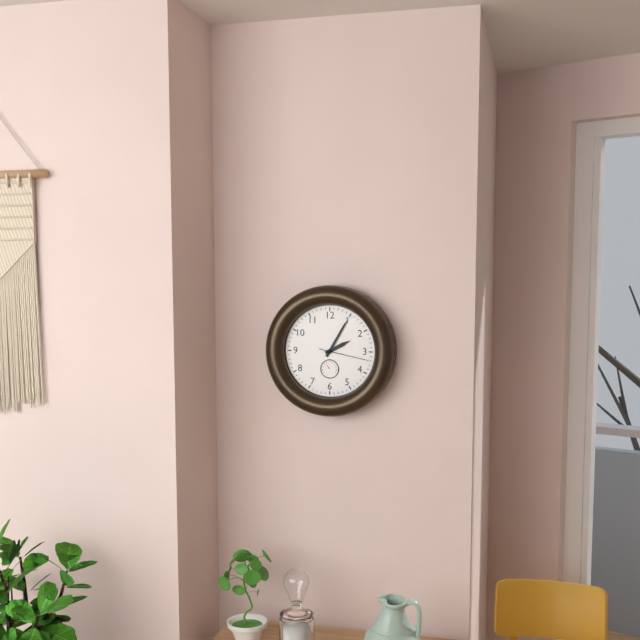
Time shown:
**2:05:17**
